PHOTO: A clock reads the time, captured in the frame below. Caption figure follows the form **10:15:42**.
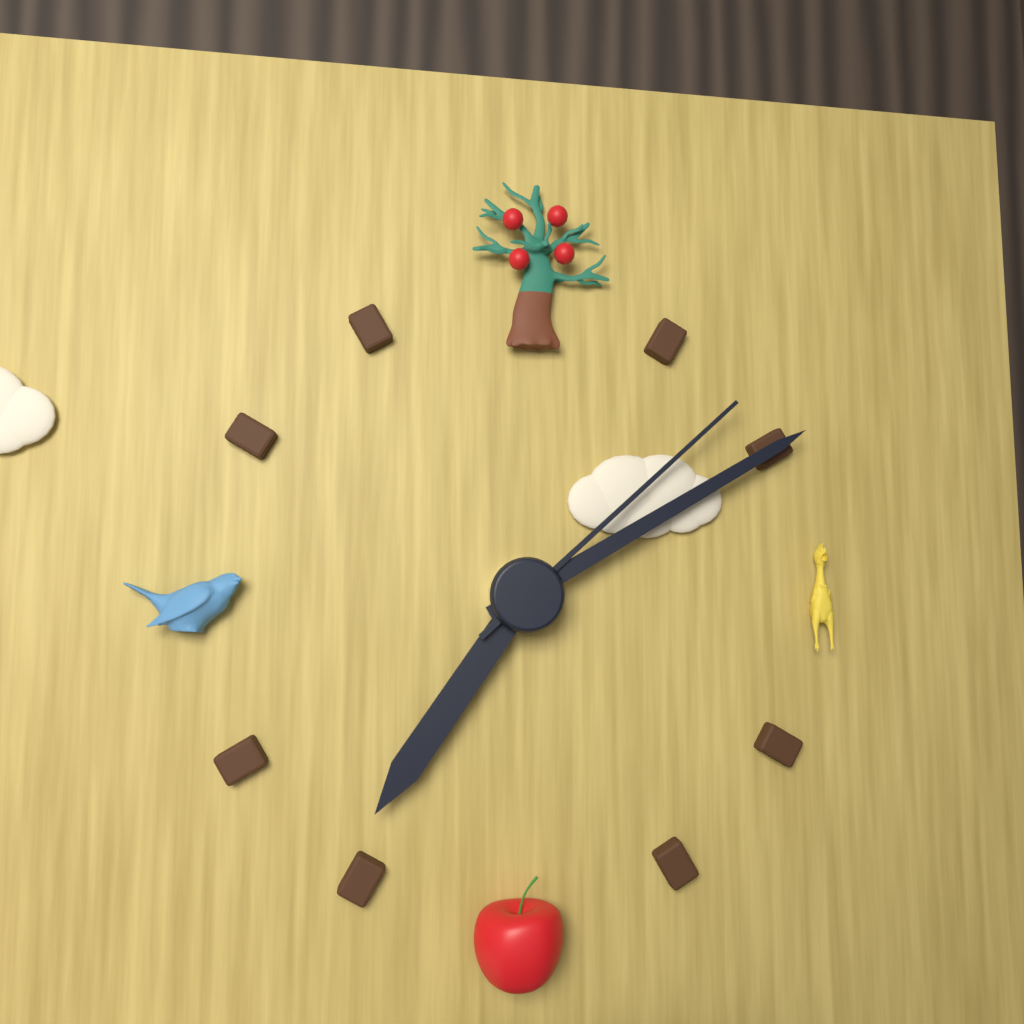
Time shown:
**7:10:08**
